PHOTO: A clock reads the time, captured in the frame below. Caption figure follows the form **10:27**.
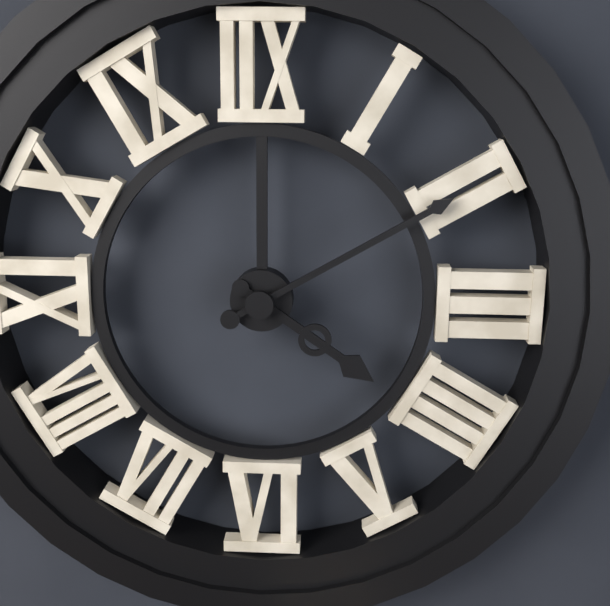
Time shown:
**4:10**
